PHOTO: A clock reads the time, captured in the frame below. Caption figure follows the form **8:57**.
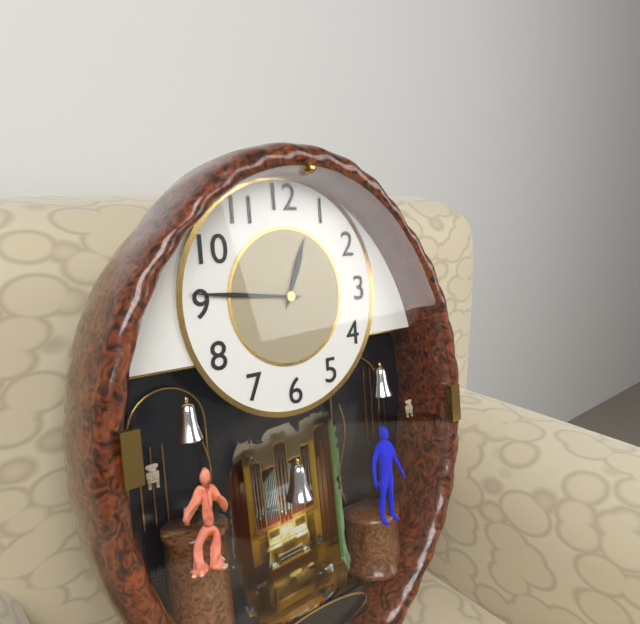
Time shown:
**12:46**
